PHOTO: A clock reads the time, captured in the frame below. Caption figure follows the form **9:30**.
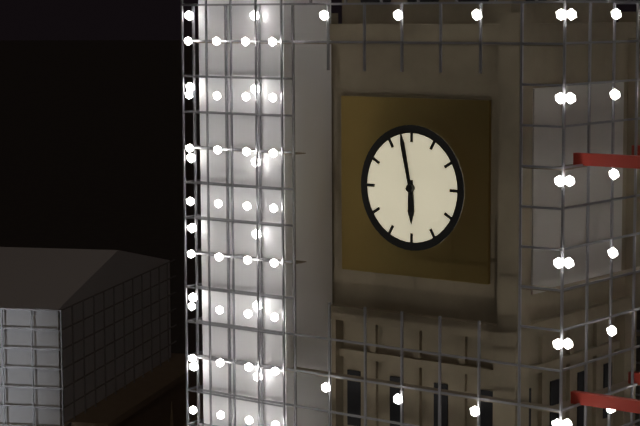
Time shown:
**5:58**
